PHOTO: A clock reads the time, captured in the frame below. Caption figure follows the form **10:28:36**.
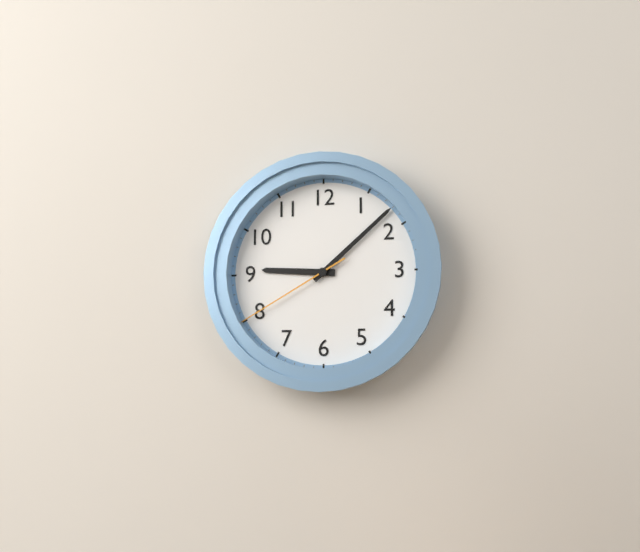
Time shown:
**9:08:40**
